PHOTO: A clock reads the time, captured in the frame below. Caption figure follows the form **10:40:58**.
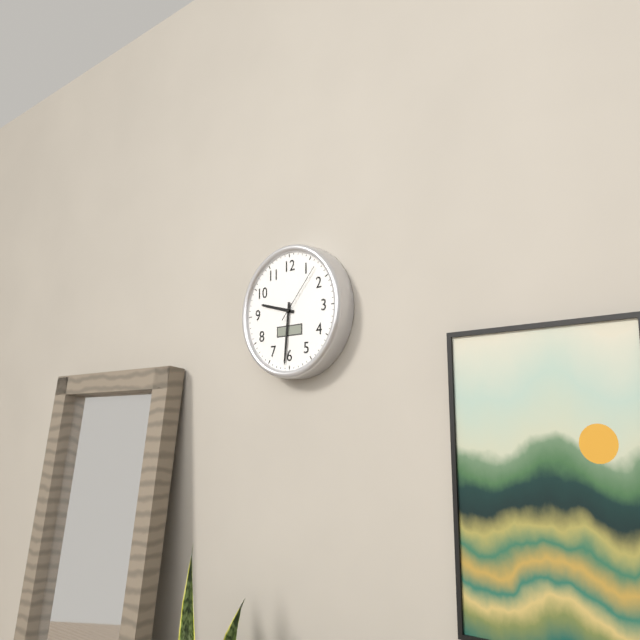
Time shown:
**9:31:07**
